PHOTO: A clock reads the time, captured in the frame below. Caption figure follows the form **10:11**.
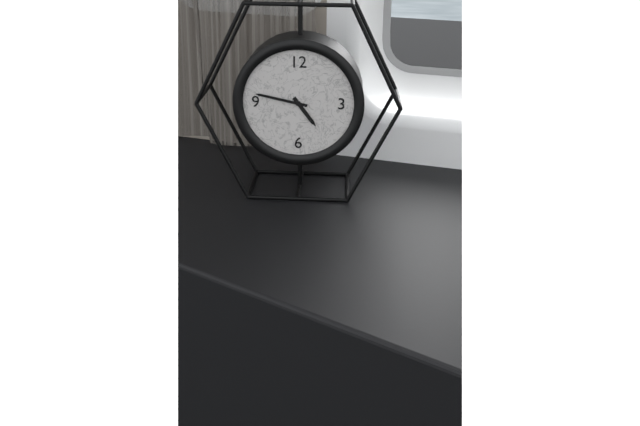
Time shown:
**4:47**
